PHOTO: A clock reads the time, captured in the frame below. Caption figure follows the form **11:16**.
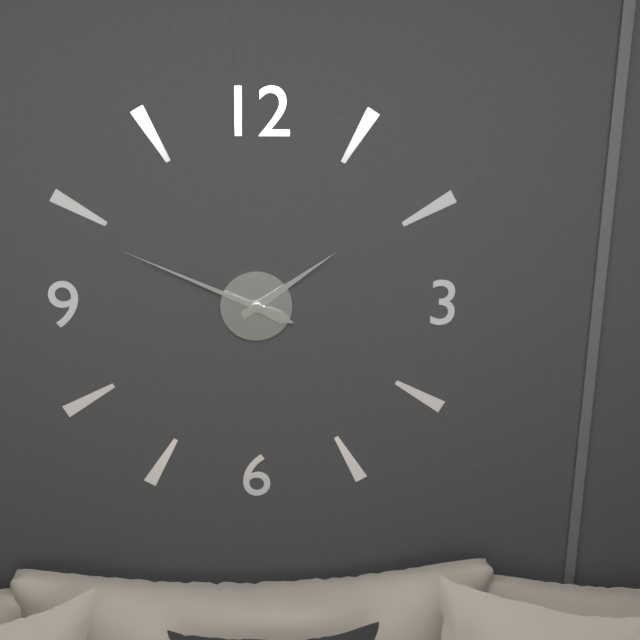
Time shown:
**1:49**
